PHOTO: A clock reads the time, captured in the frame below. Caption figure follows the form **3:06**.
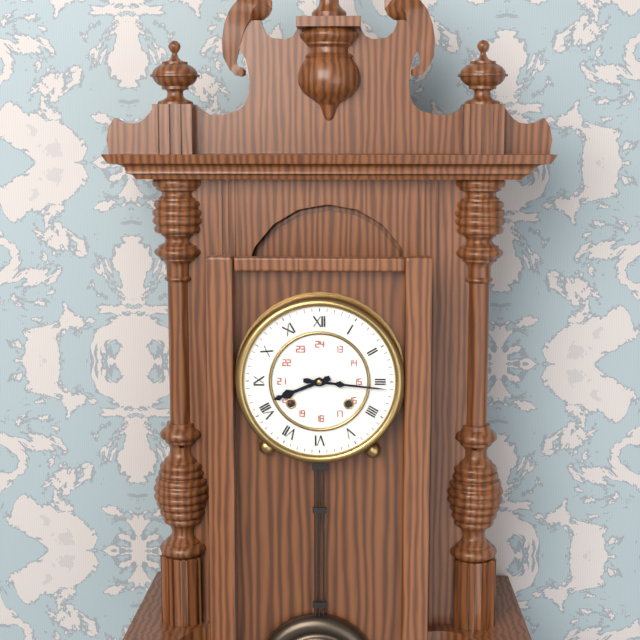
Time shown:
**8:16**
